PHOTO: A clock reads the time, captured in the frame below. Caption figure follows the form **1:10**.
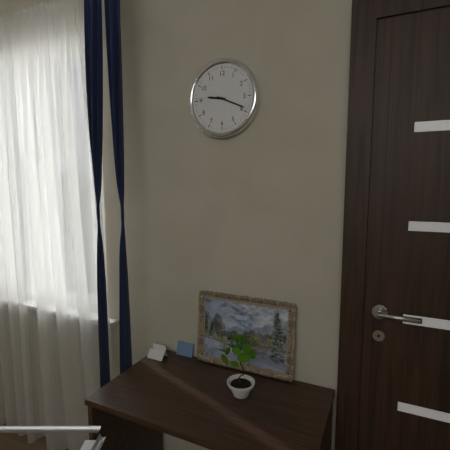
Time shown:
**9:19**
